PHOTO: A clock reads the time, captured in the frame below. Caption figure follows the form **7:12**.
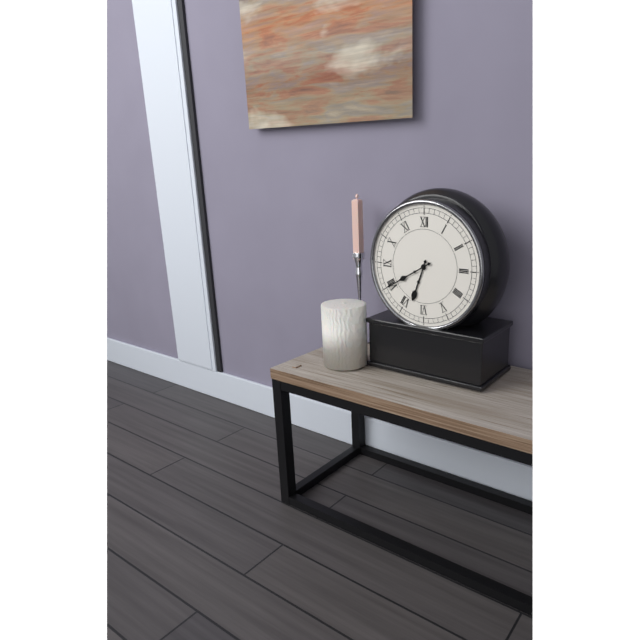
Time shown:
**6:40**
